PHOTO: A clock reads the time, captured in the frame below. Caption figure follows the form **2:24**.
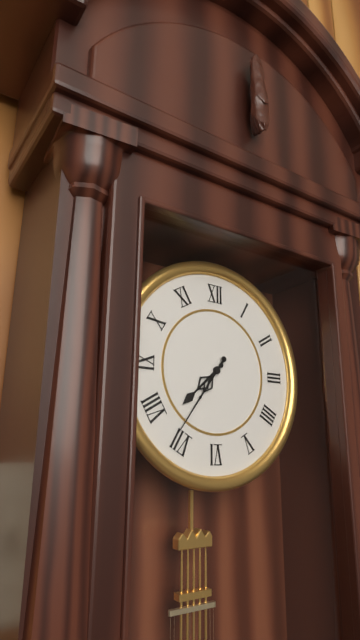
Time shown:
**7:36**
